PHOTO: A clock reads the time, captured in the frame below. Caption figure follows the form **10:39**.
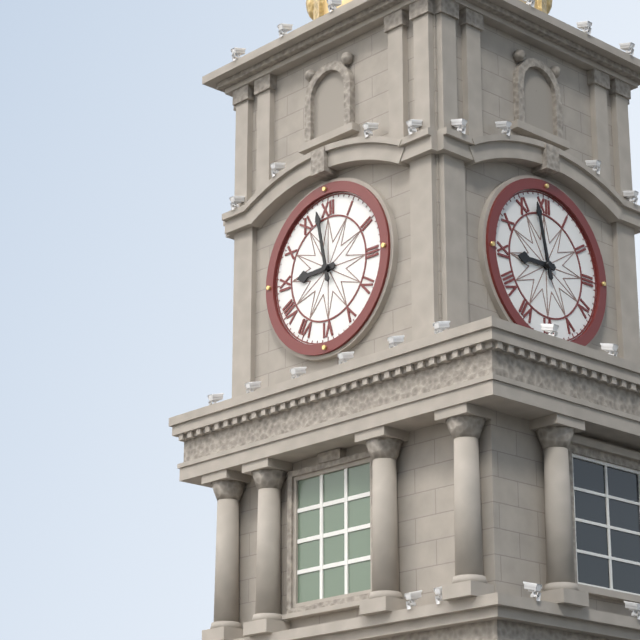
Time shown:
**8:58**
